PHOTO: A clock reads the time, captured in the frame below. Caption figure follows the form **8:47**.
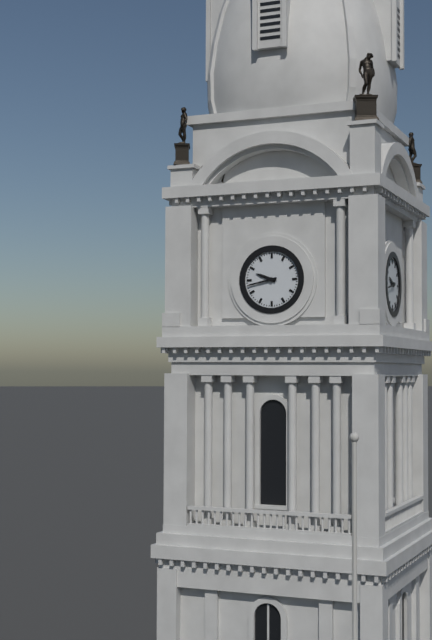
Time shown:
**9:43**
